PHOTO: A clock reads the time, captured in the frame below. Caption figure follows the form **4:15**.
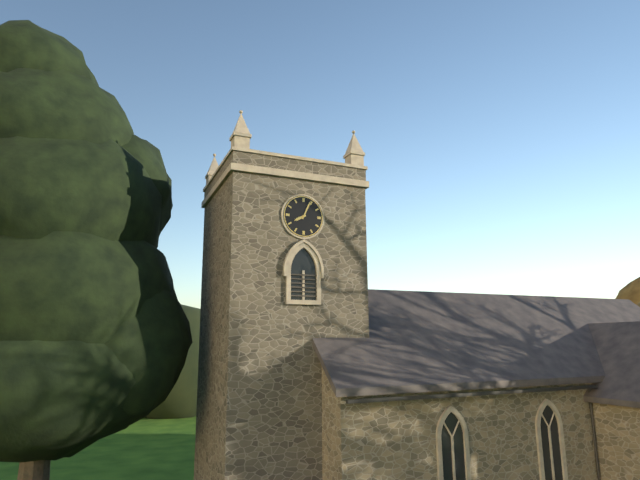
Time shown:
**8:04**
